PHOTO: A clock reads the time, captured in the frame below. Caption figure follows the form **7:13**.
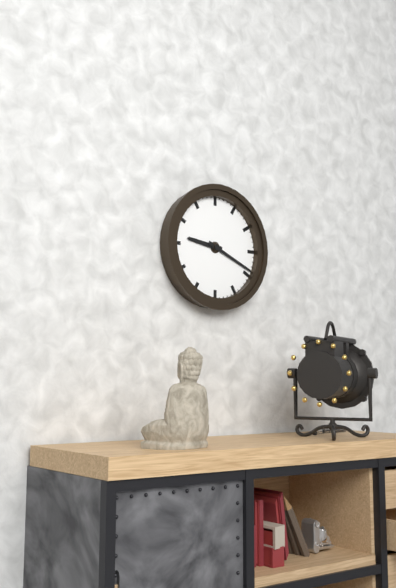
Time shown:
**9:19**
